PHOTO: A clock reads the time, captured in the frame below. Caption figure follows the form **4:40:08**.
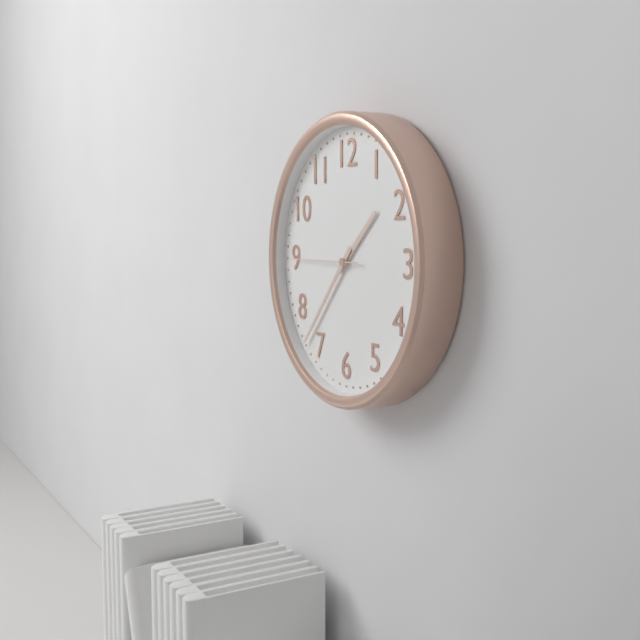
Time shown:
**1:37:45**
